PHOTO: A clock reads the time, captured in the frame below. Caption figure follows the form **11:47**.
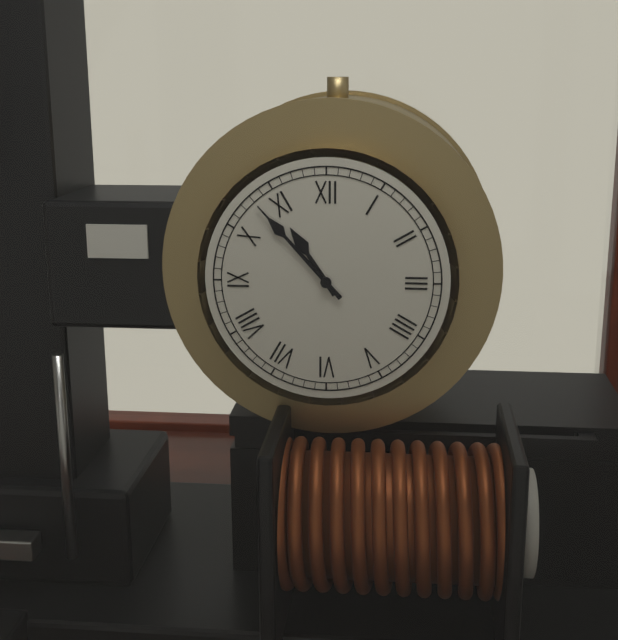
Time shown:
**10:53**
